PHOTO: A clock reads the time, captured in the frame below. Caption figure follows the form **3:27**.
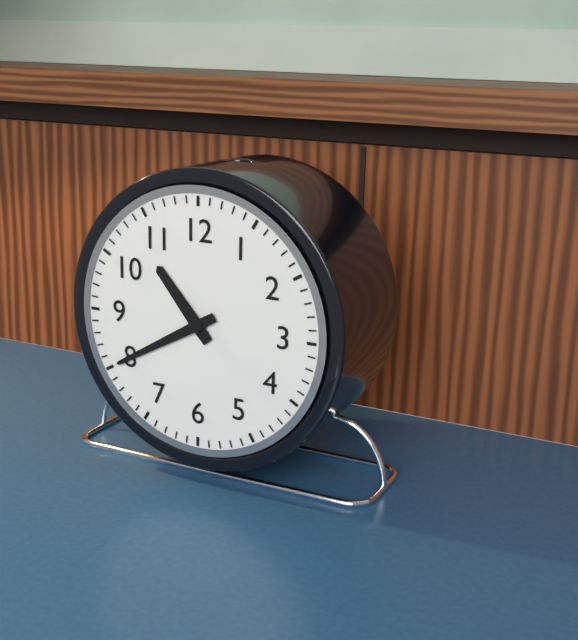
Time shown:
**10:40**
